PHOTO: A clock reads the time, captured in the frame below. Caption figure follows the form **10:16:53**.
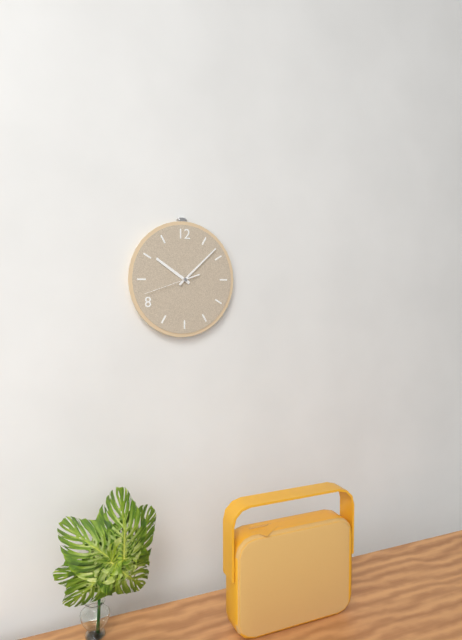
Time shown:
**10:08:42**
